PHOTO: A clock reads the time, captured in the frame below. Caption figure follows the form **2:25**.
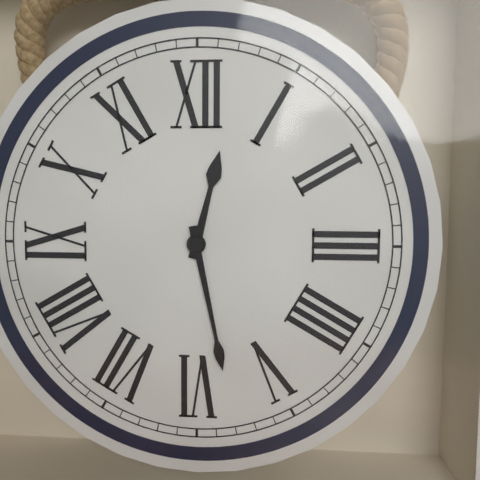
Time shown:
**12:28**
